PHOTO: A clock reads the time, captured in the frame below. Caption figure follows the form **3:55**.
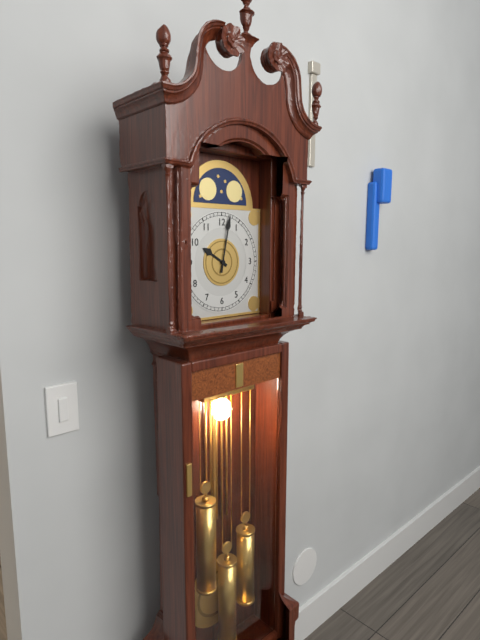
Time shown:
**10:02**
